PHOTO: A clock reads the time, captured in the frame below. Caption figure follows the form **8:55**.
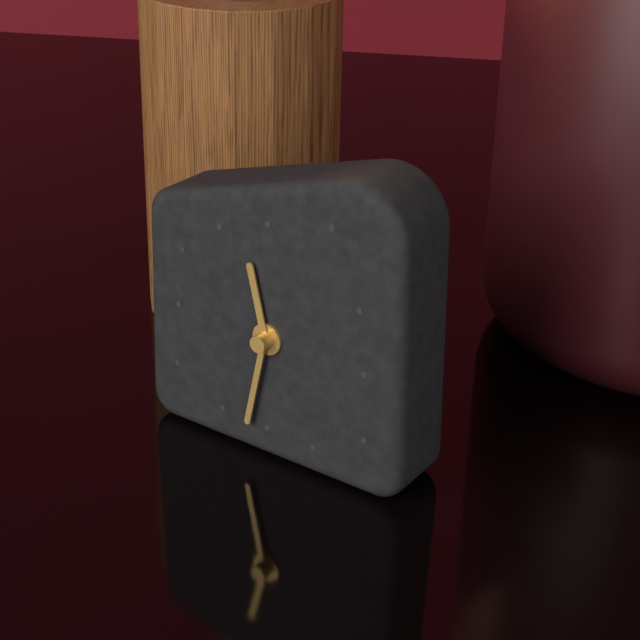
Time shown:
**11:32**
